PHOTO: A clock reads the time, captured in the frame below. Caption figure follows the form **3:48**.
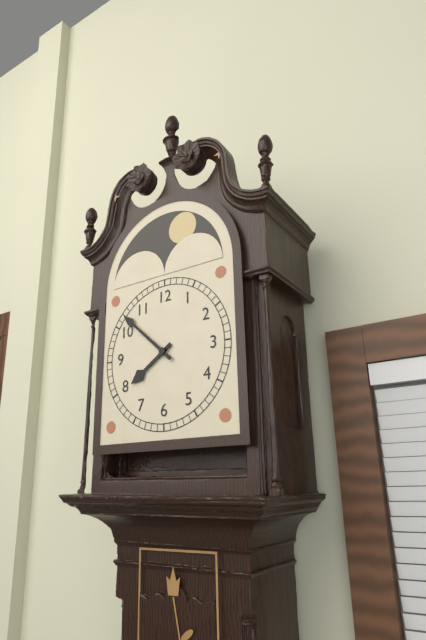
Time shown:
**7:52**
